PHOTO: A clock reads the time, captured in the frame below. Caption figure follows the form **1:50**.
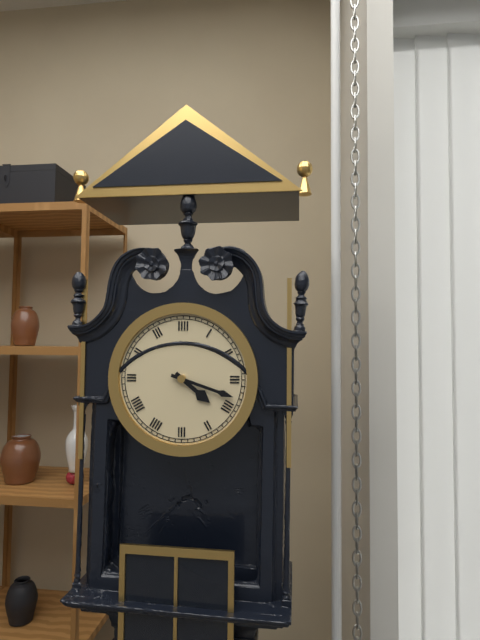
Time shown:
**4:18**
